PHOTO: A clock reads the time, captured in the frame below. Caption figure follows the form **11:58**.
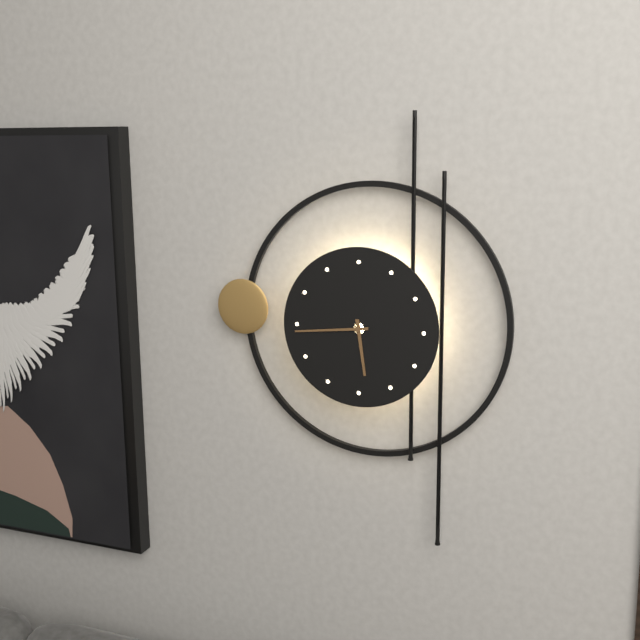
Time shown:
**5:44**
